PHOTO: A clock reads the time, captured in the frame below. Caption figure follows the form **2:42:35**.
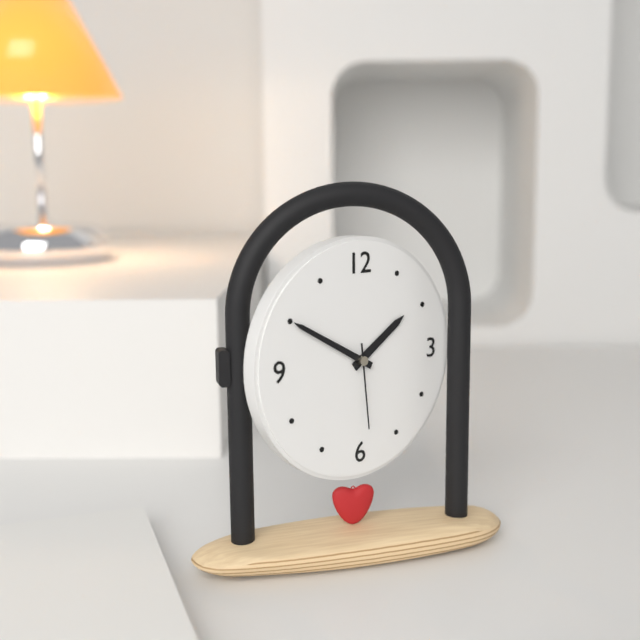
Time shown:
**1:50:29**
